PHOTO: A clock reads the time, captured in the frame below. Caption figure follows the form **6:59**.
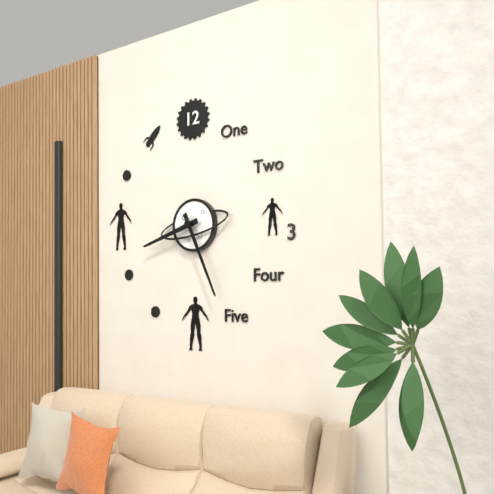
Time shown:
**8:26**
